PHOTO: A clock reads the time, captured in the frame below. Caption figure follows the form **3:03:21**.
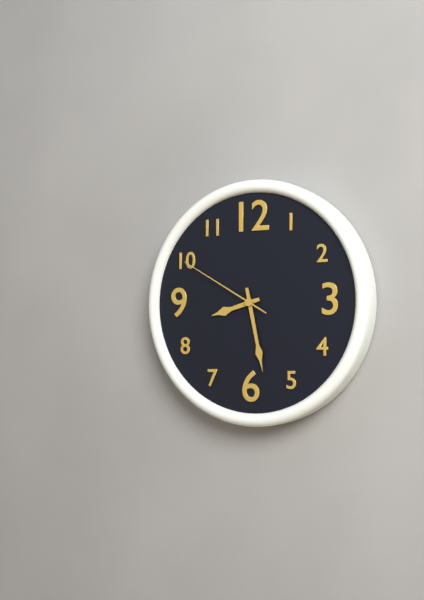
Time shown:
**8:28:50**
